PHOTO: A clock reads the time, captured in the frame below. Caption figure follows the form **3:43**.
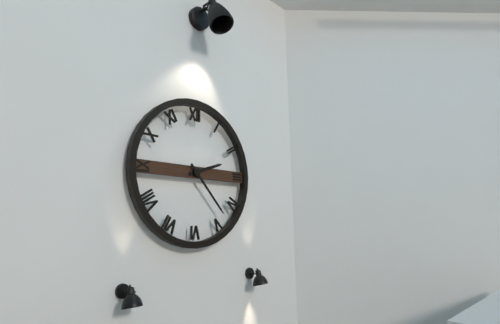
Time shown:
**2:23**
